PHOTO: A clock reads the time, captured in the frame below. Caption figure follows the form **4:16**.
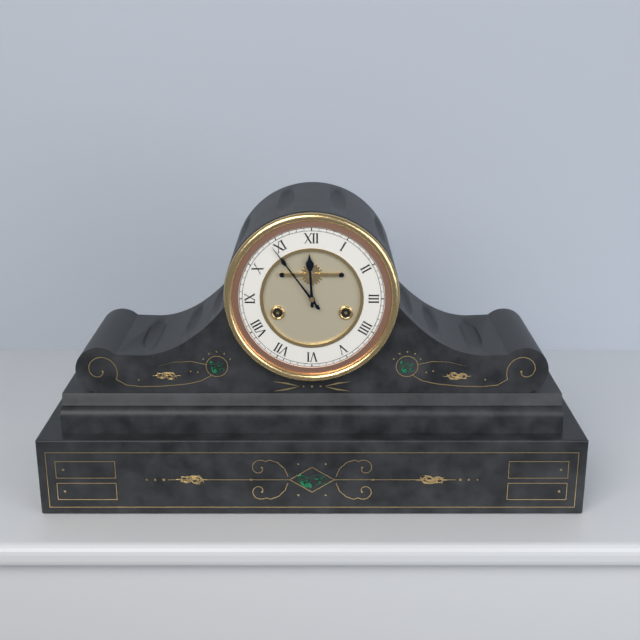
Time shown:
**11:54**
